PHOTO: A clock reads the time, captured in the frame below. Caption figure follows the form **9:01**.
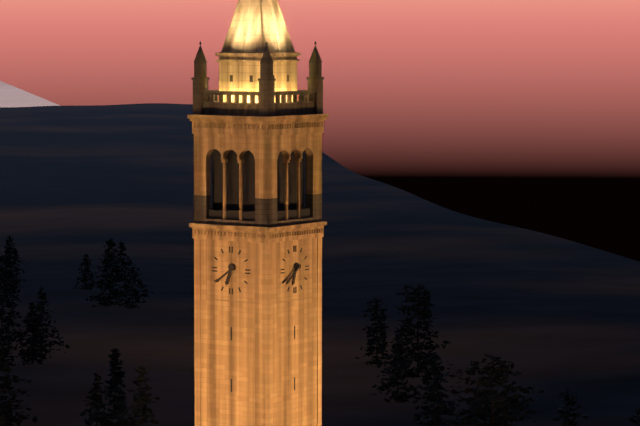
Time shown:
**6:39**
